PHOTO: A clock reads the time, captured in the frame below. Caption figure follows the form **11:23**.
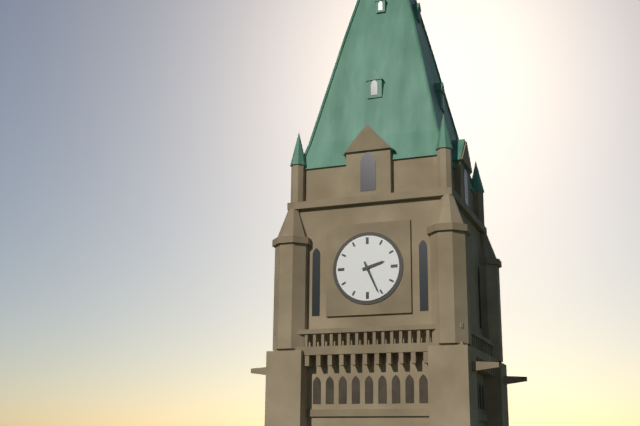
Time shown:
**2:26**
